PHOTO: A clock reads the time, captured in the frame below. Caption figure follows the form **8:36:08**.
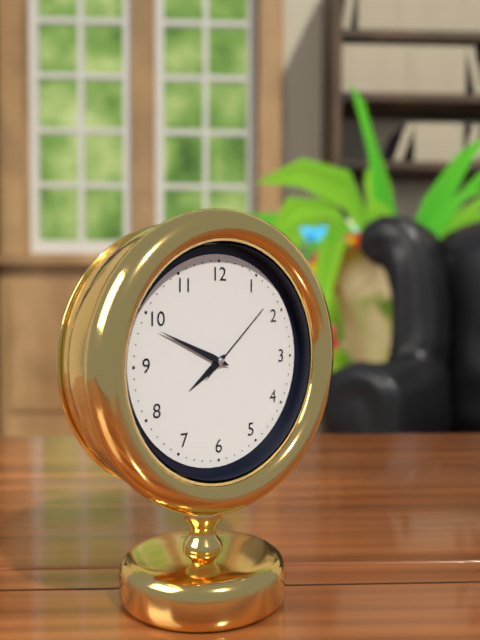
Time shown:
**7:49:08**
